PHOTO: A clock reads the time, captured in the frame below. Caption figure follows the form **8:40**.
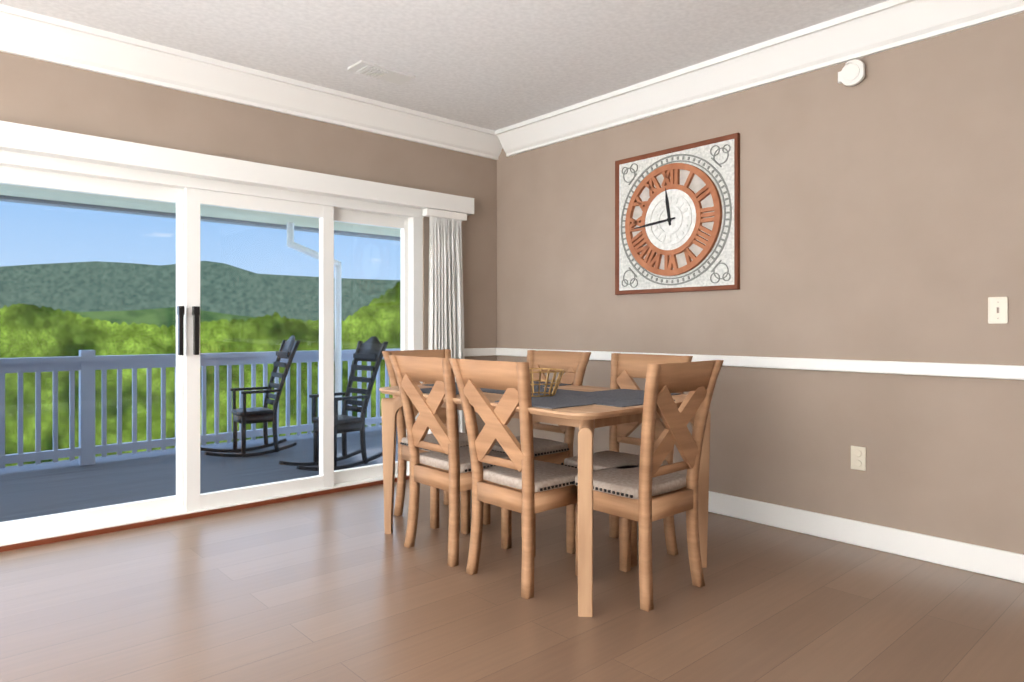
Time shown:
**11:44**
